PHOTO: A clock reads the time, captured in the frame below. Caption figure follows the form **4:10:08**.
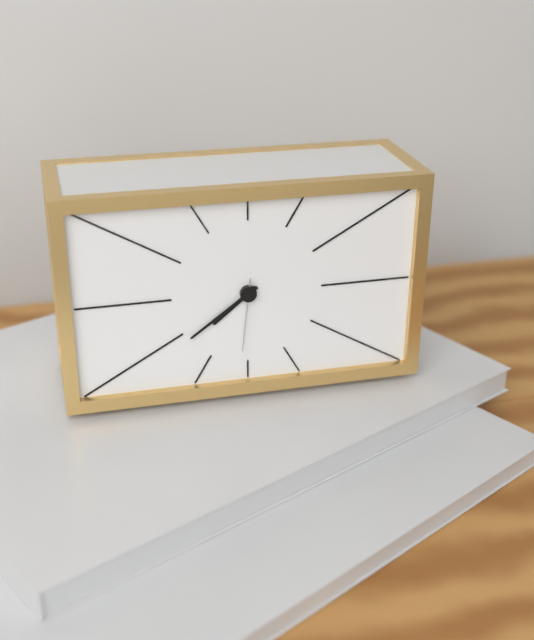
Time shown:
**7:39:31**
